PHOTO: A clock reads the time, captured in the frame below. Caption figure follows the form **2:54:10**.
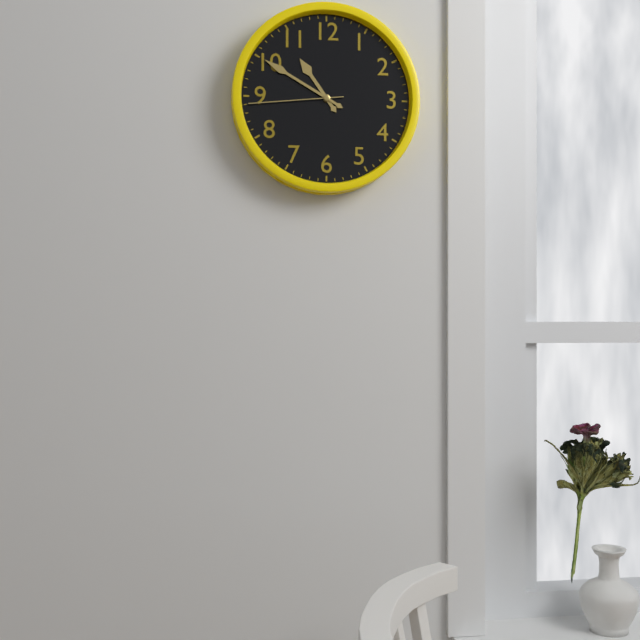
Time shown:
**10:50:44**
